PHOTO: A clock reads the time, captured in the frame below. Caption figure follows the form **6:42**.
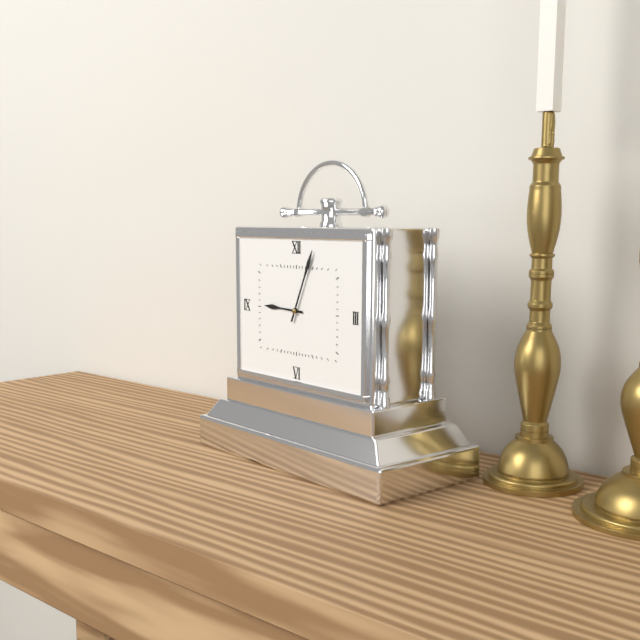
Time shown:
**9:04**
